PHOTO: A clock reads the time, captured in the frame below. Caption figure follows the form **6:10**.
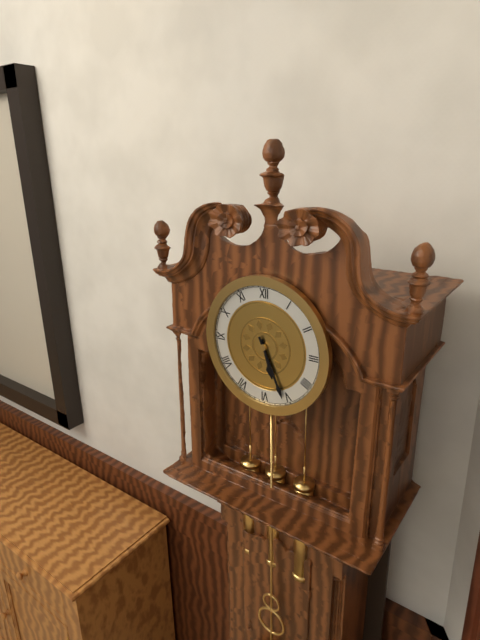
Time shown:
**5:26**
